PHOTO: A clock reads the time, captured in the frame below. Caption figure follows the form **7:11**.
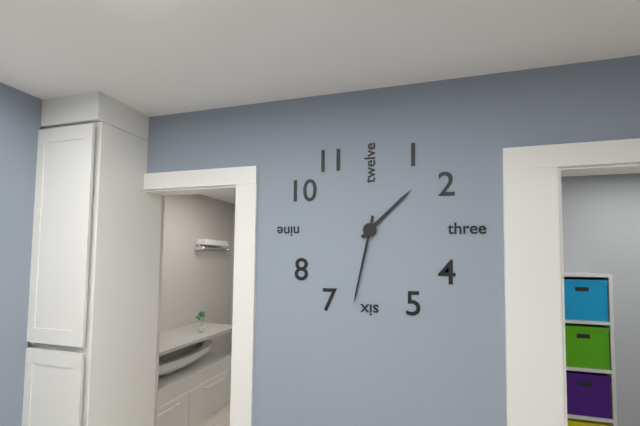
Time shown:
**1:32**
